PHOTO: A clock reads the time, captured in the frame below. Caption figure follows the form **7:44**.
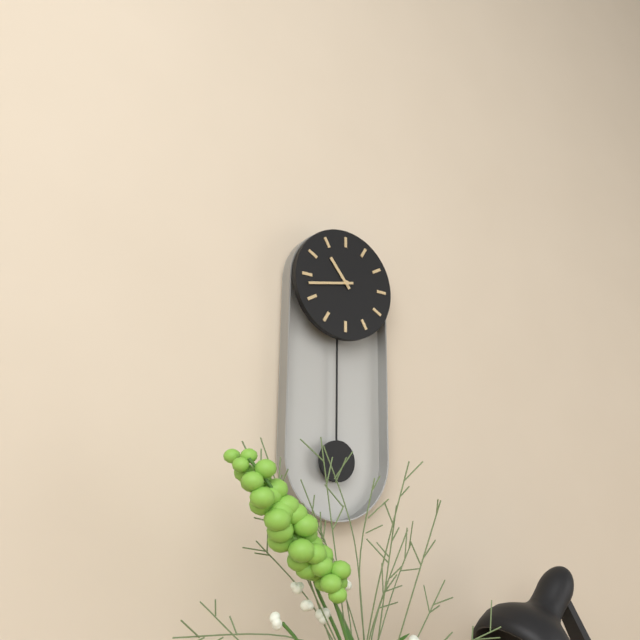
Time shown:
**10:43**
